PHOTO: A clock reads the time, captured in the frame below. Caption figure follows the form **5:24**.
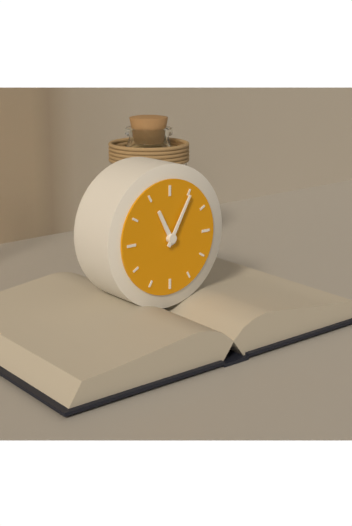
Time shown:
**11:05**
